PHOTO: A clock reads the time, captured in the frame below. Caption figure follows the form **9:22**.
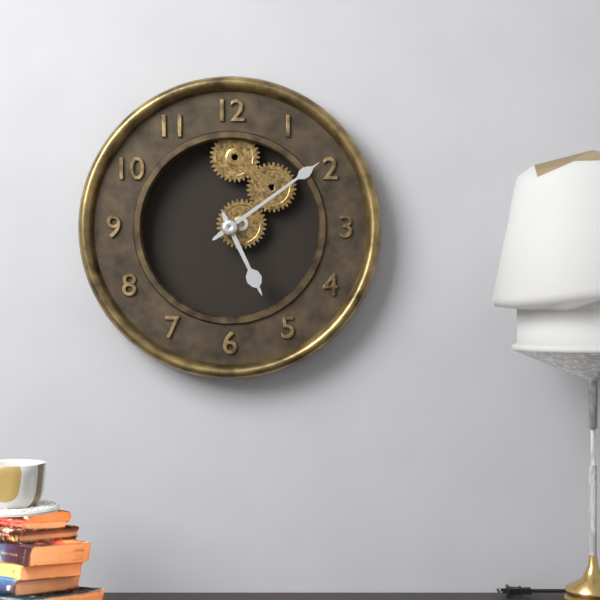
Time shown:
**5:09**
